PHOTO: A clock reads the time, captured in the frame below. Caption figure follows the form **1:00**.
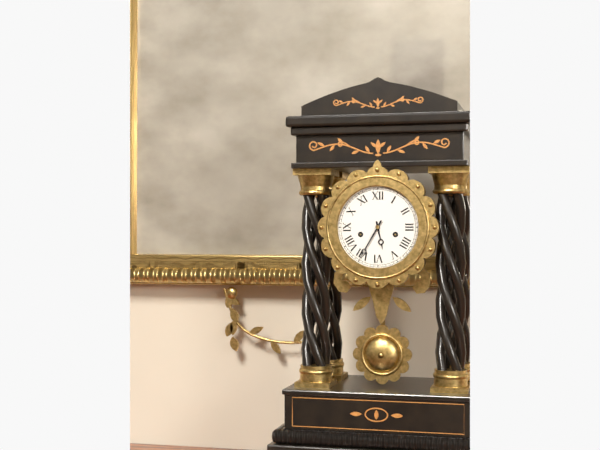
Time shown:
**5:35**
